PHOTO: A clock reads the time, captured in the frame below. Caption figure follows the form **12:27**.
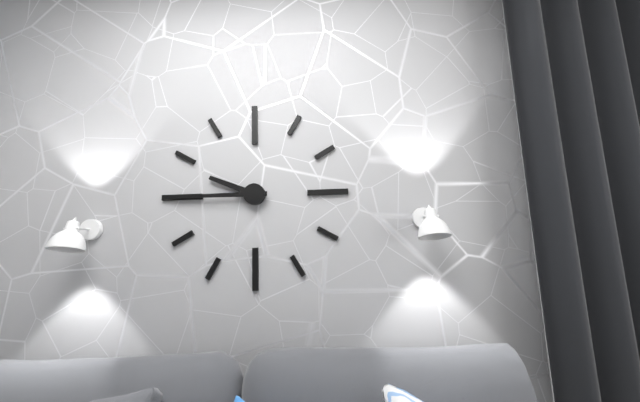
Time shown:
**9:45**
